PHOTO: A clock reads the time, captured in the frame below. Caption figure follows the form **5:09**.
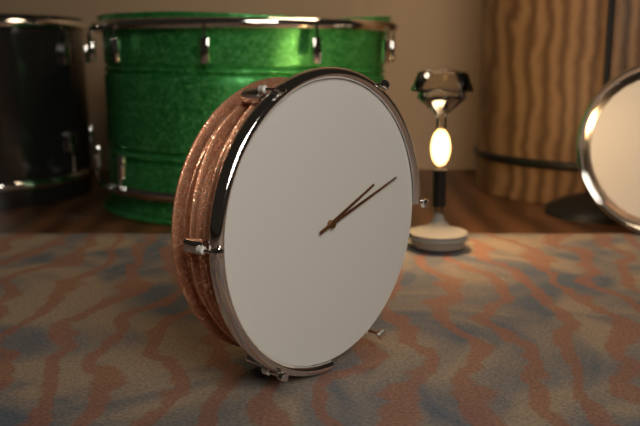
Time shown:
**2:12**
